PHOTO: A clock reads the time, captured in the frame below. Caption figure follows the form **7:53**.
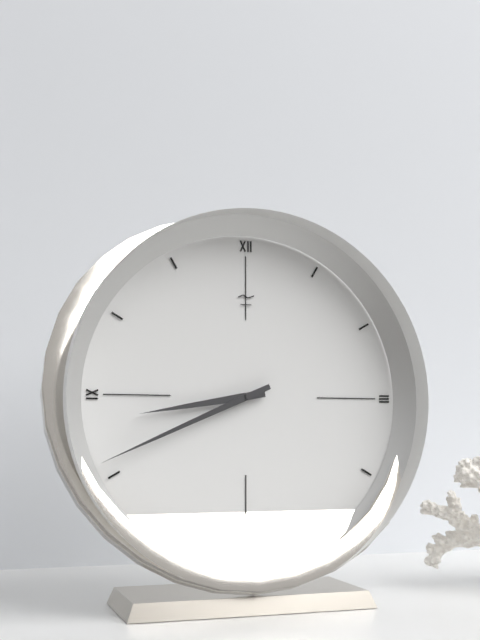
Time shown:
**8:41**
